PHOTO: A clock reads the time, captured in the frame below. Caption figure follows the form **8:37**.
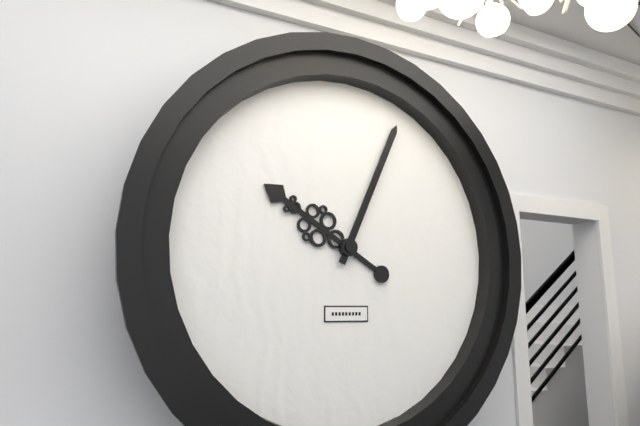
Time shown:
**10:04**
